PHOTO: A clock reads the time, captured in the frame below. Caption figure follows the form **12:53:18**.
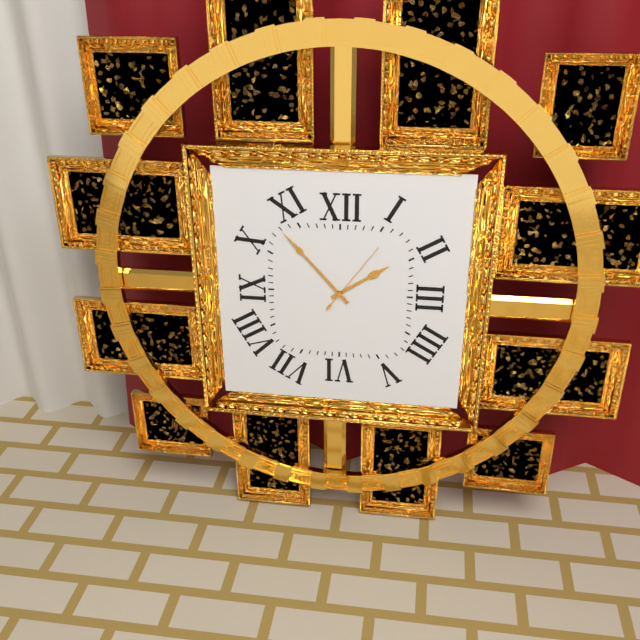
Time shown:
**1:53:06**
